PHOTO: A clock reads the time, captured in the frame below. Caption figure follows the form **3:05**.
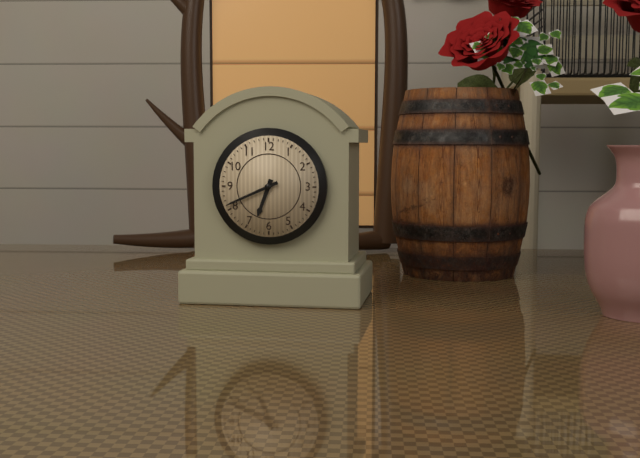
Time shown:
**6:41**
